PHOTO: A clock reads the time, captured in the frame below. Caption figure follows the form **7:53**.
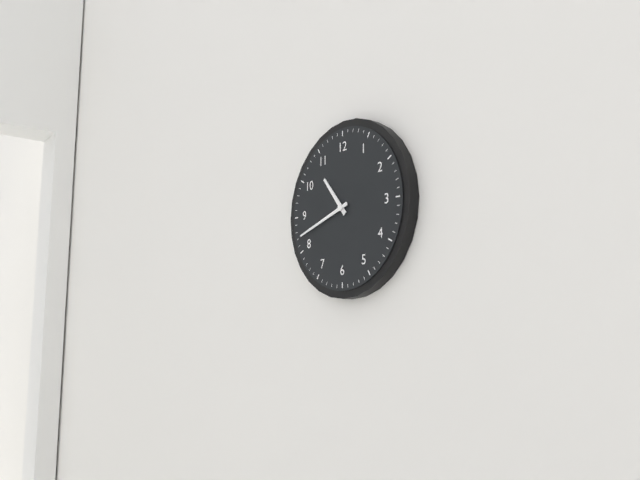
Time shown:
**10:42**
